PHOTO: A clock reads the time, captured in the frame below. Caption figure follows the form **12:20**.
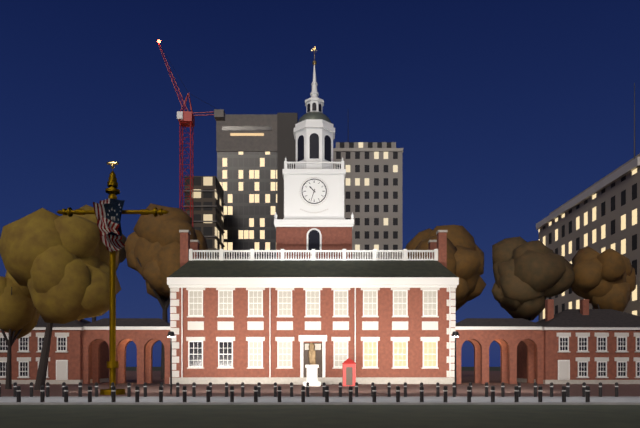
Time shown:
**10:33**
